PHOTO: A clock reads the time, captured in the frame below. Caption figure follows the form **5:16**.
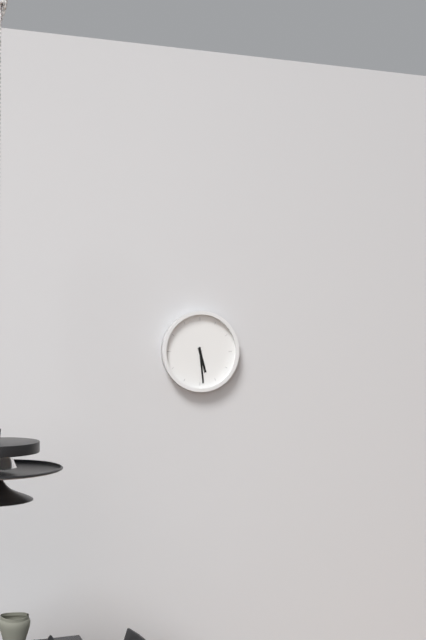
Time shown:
**5:29**
